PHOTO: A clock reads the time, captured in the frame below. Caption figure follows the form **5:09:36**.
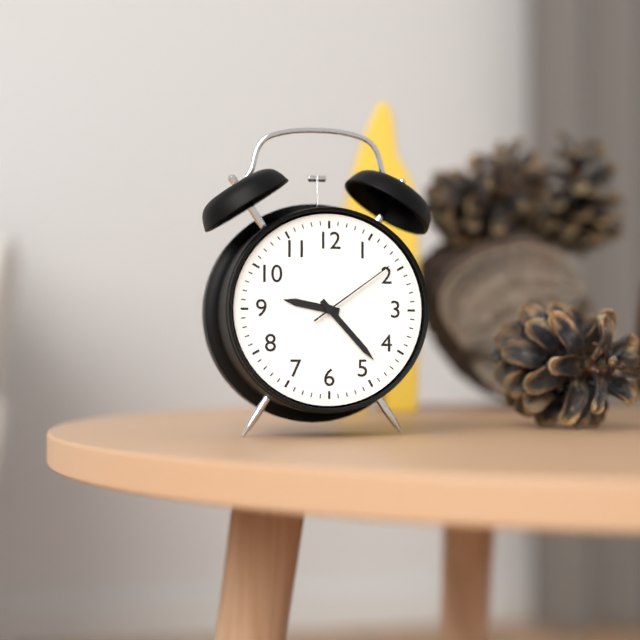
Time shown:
**9:23:09**
